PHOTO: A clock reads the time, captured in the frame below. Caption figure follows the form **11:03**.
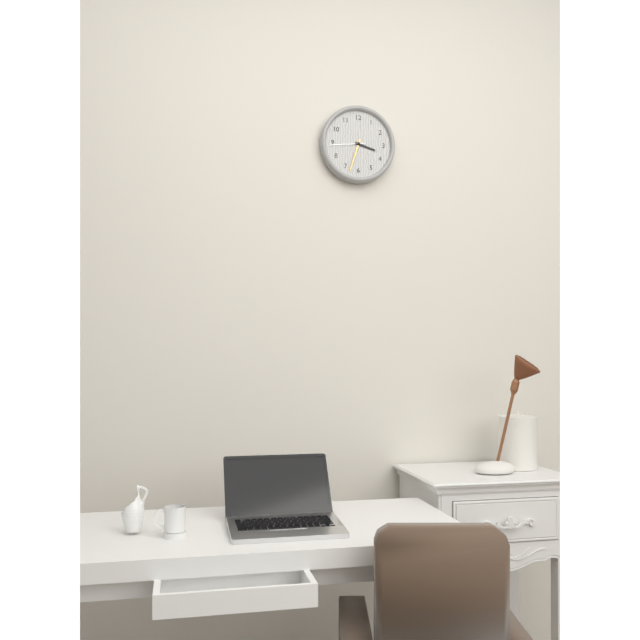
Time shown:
**3:33**
